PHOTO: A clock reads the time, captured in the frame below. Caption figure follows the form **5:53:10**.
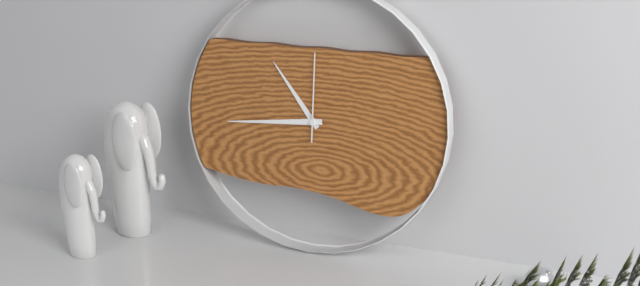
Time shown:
**10:44:00**
